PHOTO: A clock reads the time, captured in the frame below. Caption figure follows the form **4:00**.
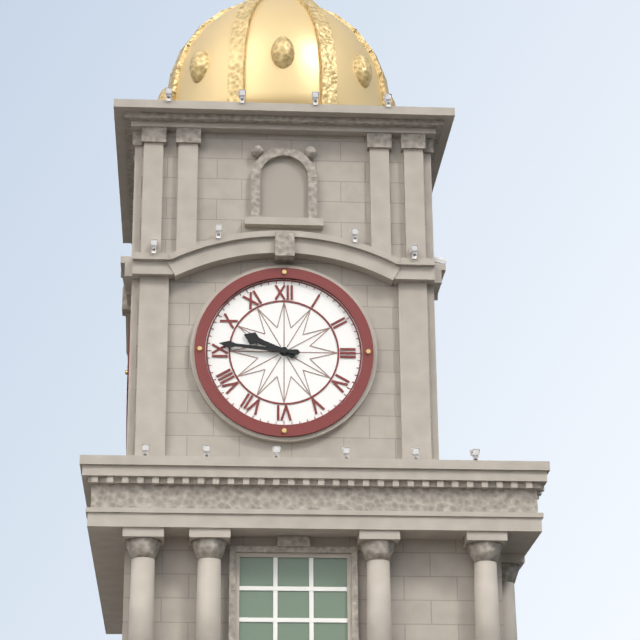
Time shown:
**9:46**
